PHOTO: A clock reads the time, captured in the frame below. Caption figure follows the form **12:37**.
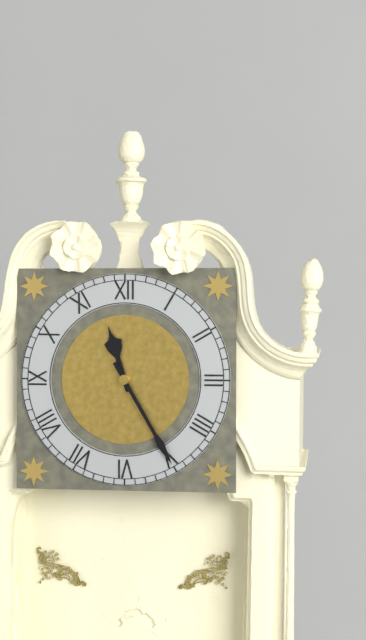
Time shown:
**11:25**
